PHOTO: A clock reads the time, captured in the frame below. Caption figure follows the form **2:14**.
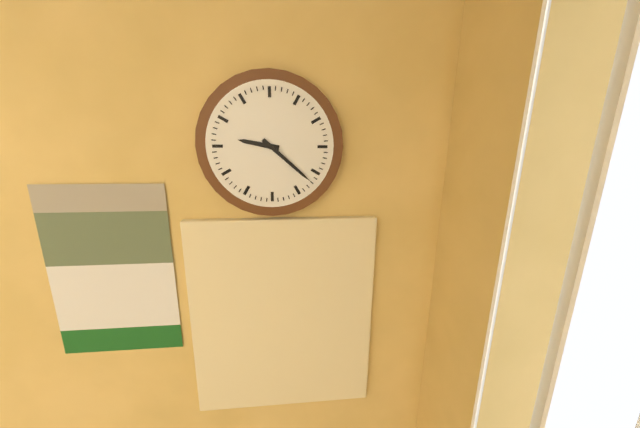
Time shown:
**9:22**
